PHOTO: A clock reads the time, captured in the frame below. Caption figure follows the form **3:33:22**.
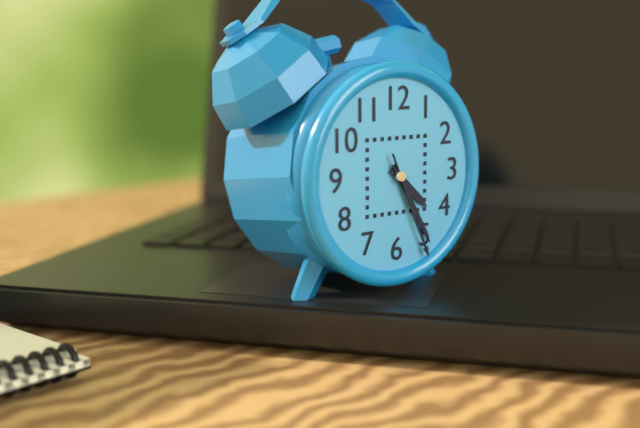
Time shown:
**4:25:26**
